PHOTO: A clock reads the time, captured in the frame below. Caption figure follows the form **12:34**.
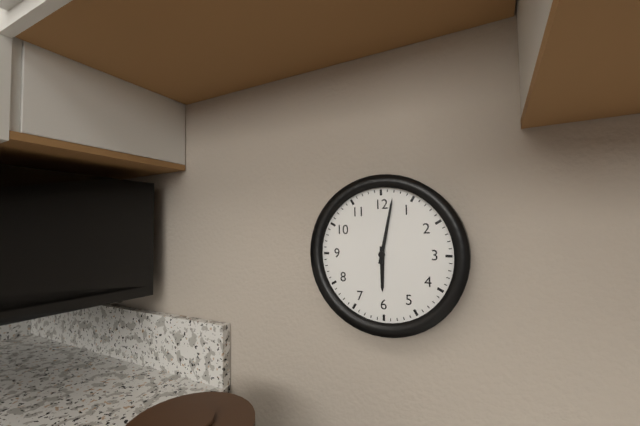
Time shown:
**6:02**
